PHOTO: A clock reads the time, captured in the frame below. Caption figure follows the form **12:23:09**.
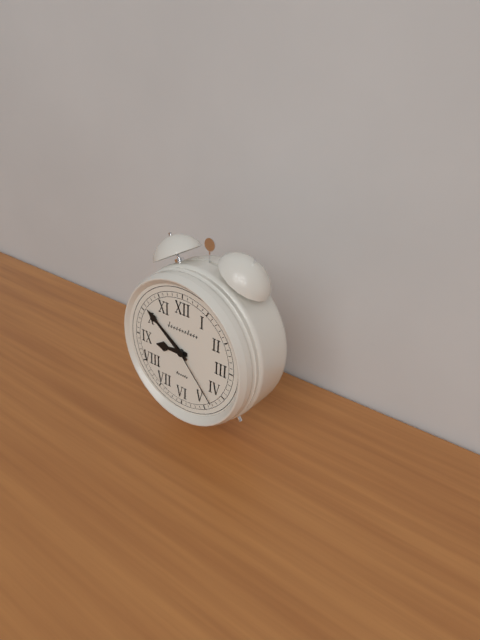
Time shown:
**8:51:23**
